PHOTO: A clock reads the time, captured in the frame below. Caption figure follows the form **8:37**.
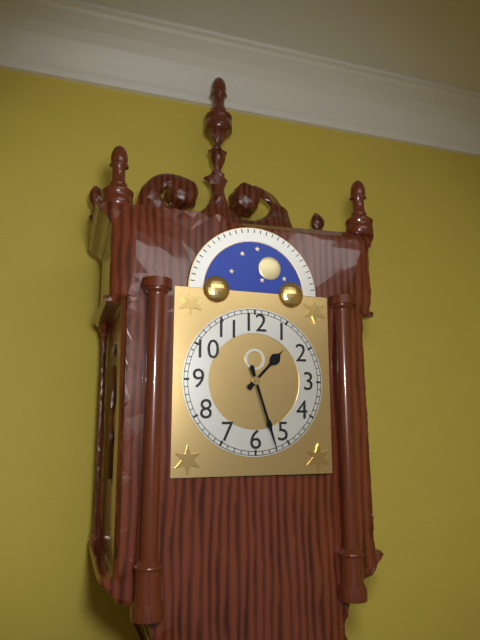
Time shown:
**1:27**
